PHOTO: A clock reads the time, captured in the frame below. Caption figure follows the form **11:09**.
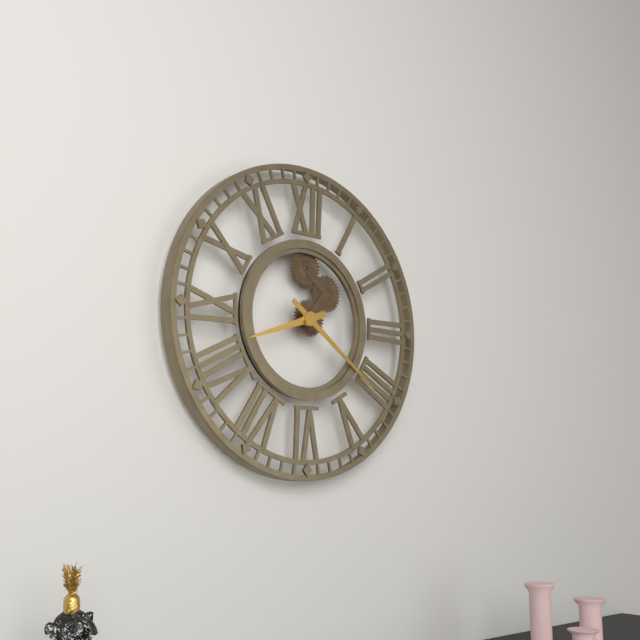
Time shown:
**8:21**
